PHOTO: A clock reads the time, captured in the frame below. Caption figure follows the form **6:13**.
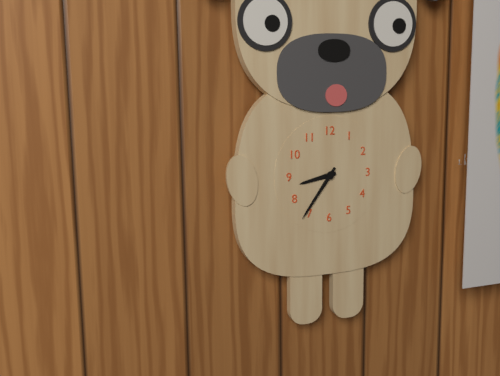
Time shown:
**8:36**
